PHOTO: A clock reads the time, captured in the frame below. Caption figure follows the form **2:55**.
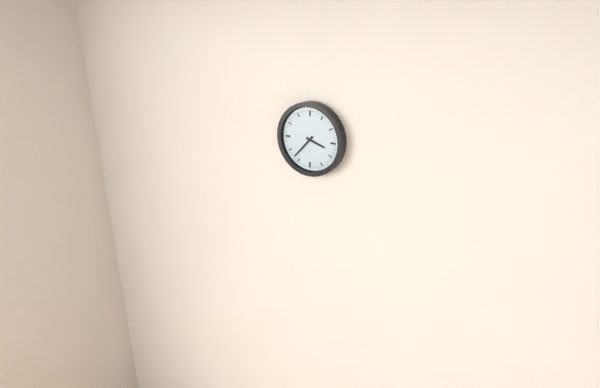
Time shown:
**3:37**
